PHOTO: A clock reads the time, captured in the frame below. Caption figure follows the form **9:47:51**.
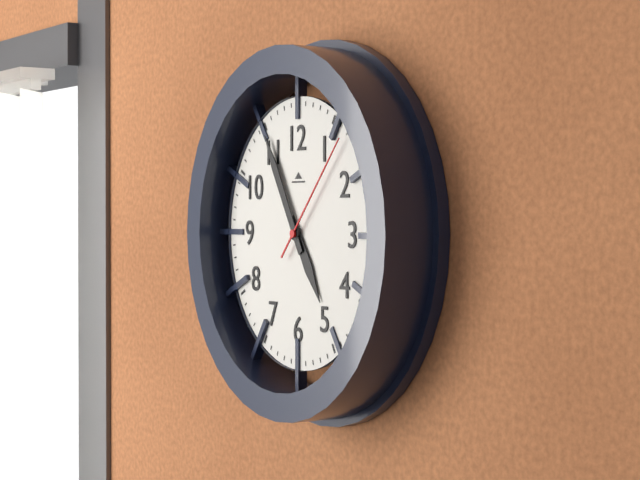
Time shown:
**4:55:07**
